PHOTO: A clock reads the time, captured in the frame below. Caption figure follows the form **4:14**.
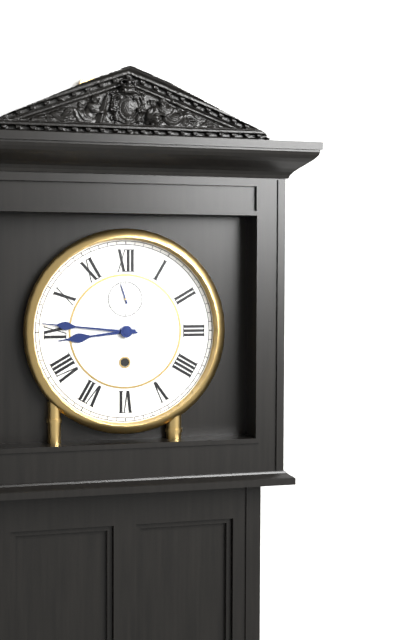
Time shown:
**8:46**
